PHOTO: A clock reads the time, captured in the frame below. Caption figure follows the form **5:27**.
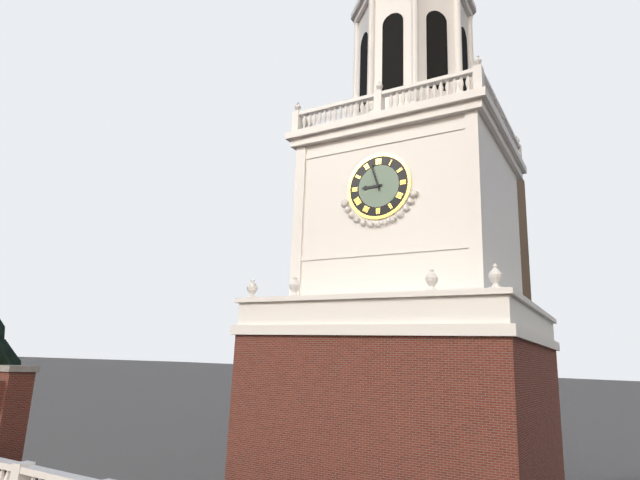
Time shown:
**8:57**
